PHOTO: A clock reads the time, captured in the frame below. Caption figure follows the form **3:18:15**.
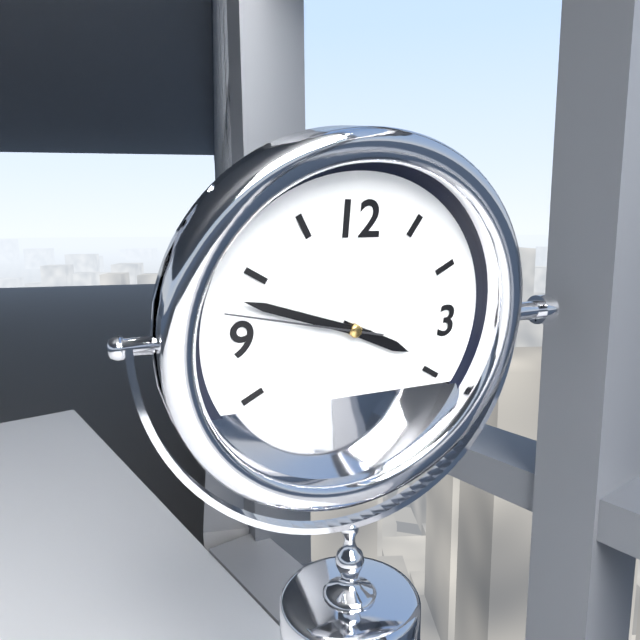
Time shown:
**3:48:47**
